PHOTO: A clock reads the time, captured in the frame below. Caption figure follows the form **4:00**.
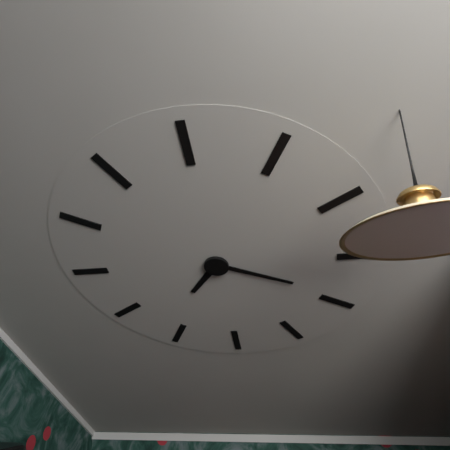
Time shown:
**7:19**
